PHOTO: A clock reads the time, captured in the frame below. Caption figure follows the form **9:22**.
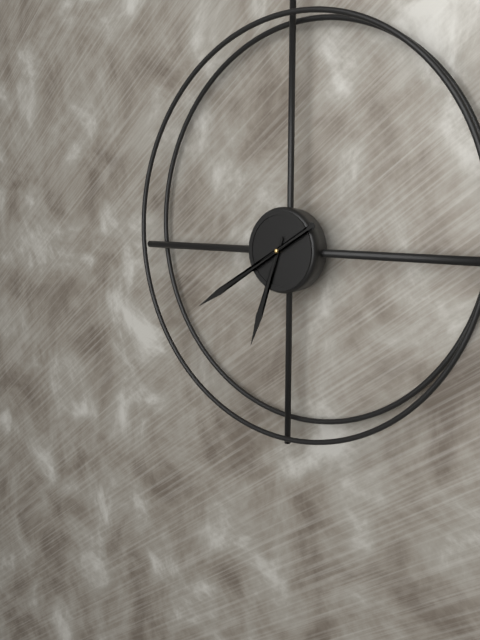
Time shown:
**6:40**
